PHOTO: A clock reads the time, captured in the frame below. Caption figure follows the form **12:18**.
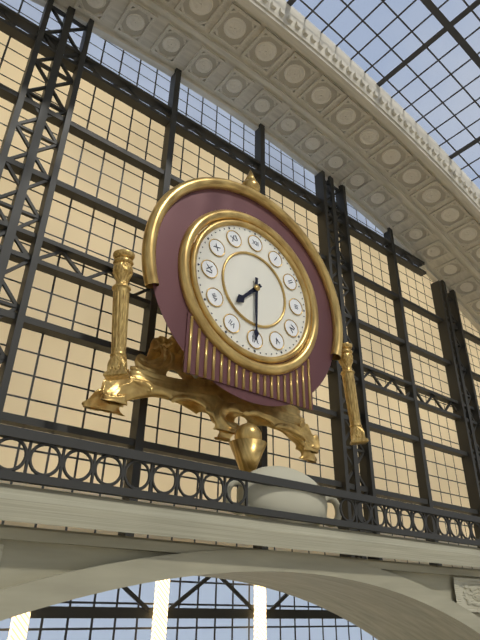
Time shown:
**7:30**
